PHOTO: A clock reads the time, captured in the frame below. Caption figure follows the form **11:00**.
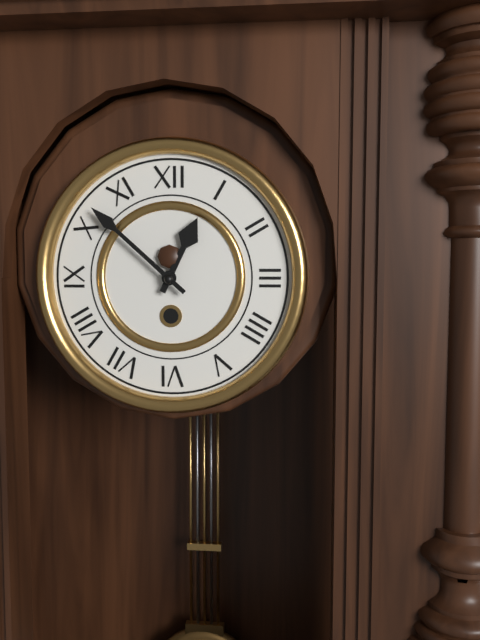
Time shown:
**12:52**
